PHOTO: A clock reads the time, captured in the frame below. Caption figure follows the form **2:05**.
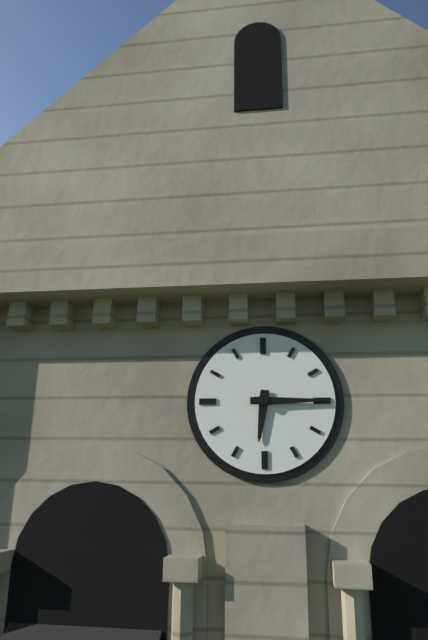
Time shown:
**6:15**
